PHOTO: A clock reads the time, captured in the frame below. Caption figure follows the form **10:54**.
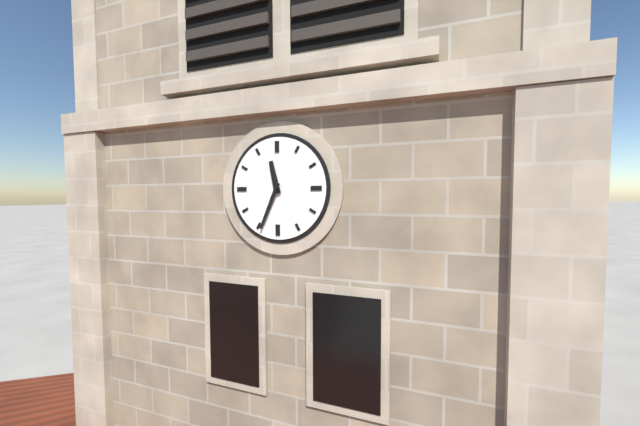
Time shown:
**11:34**
